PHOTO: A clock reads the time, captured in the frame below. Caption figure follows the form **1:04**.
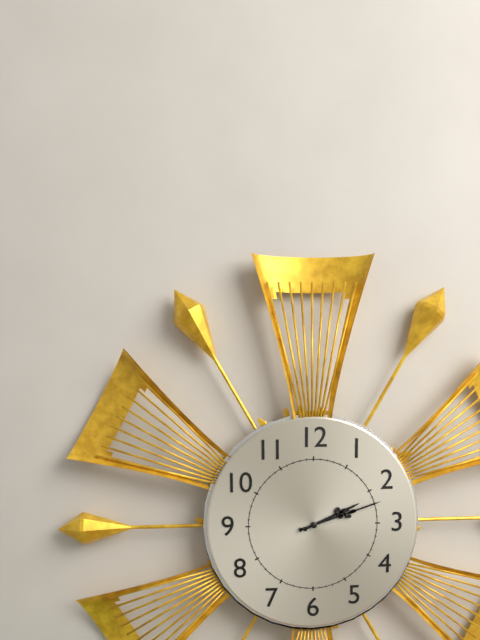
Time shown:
**2:12**
